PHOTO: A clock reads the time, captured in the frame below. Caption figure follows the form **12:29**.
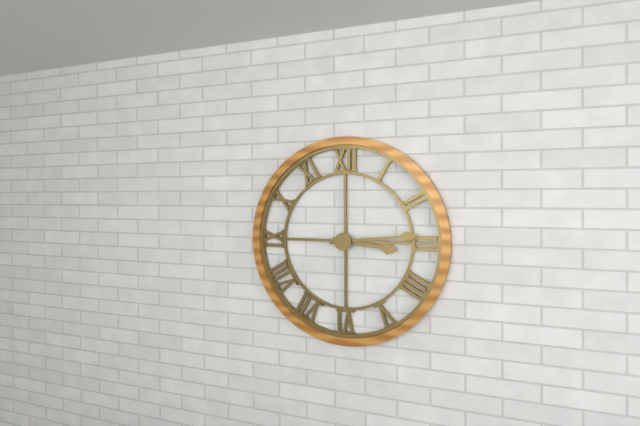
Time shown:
**3:14**
